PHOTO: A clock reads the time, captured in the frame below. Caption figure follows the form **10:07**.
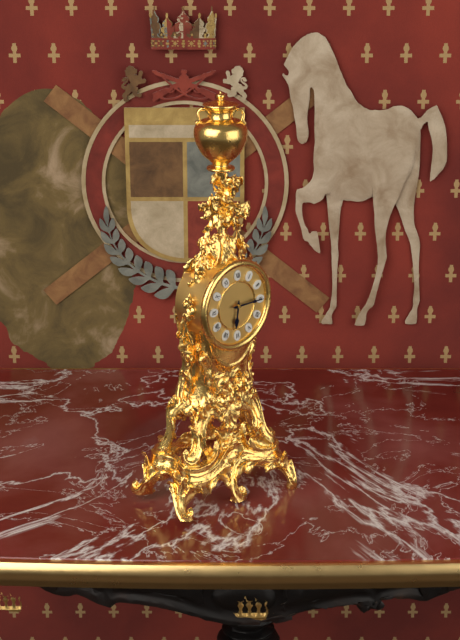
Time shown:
**6:15**
